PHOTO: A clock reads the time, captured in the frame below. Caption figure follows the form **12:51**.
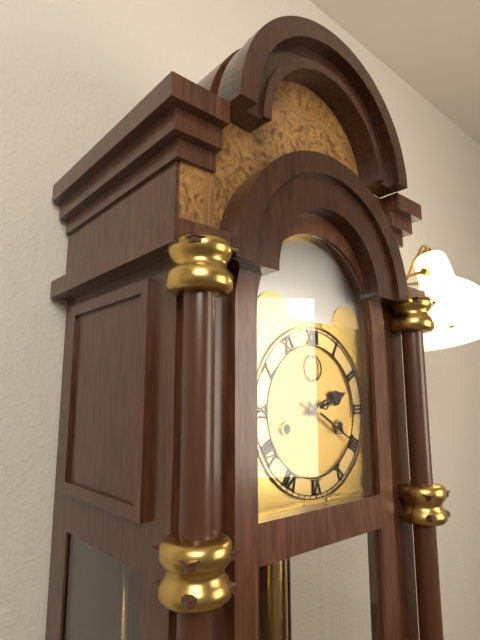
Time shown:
**2:20**
